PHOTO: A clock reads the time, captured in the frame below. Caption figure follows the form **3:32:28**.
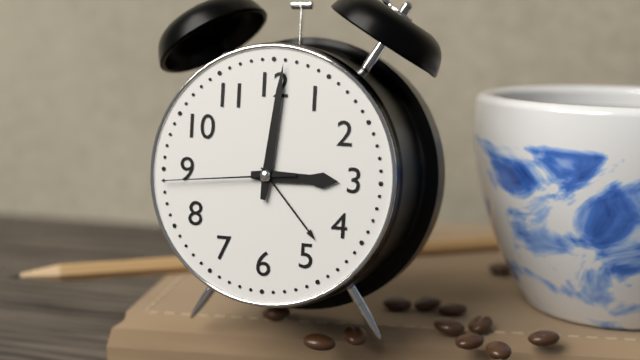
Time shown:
**3:01:44**
